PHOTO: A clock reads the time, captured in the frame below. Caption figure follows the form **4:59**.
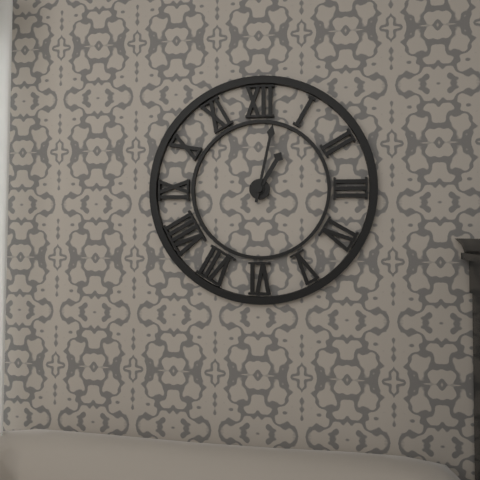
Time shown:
**1:02**
